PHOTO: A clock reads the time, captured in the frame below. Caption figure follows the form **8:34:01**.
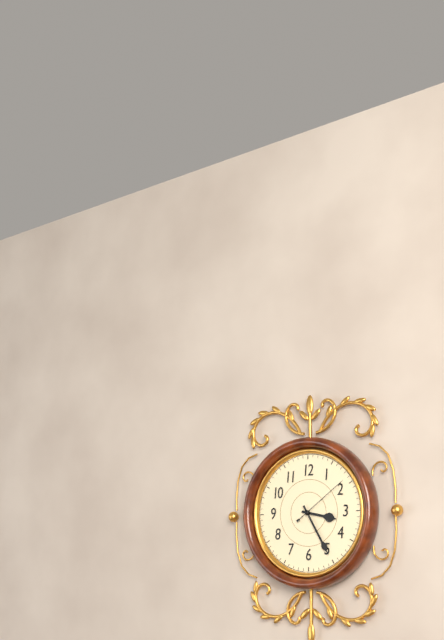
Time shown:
**3:25:09**
